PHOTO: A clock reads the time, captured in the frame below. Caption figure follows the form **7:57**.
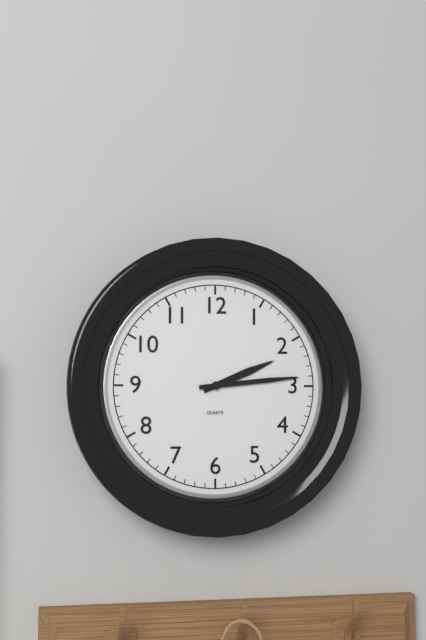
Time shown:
**2:14**
